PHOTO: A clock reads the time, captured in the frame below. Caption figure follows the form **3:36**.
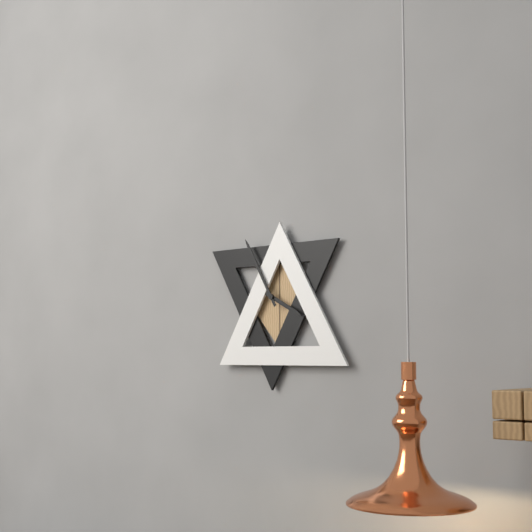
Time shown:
**3:55**
